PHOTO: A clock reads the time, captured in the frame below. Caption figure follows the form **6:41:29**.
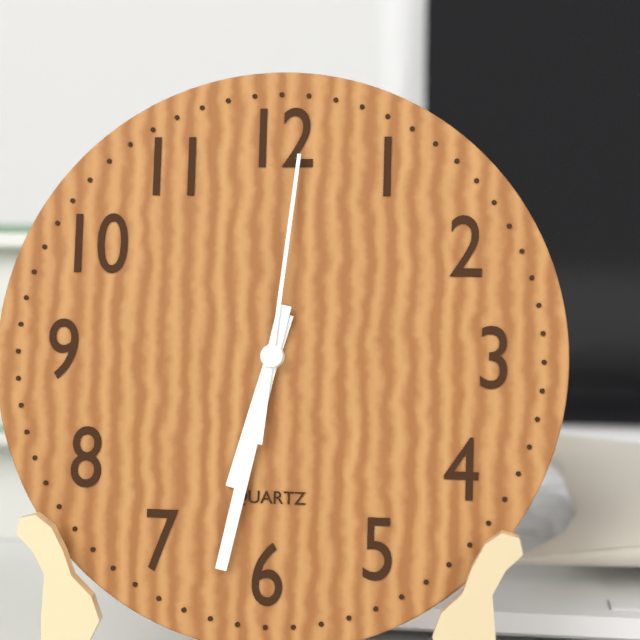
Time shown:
**6:32:01**
